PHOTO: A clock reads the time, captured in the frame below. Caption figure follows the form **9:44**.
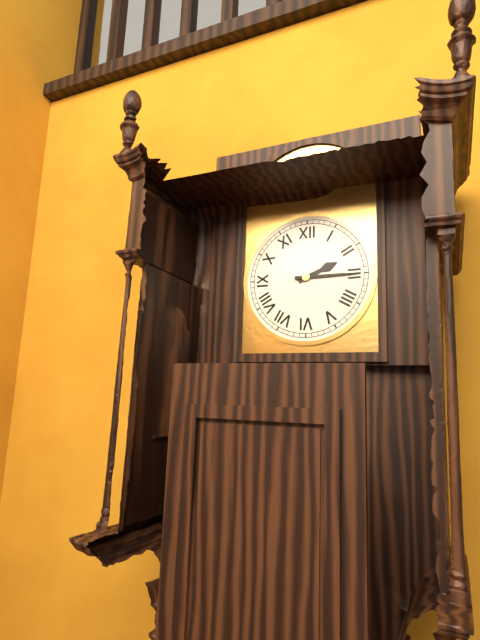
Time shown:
**2:15**
